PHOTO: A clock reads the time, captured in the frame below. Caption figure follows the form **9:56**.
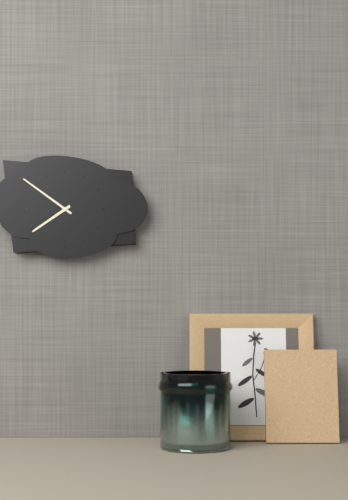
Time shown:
**7:51**
